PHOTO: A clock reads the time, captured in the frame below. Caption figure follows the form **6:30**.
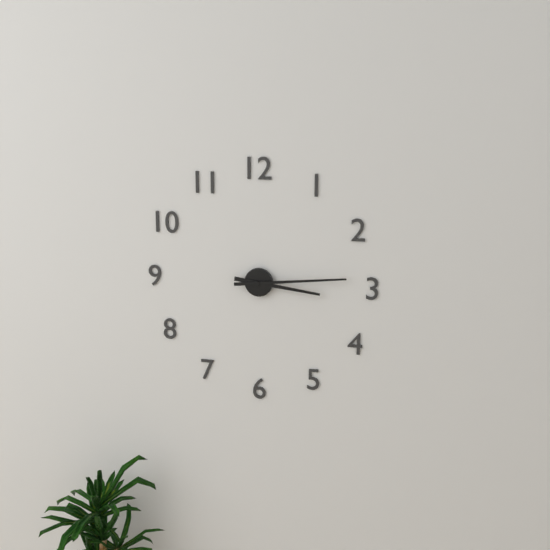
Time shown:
**3:14**
